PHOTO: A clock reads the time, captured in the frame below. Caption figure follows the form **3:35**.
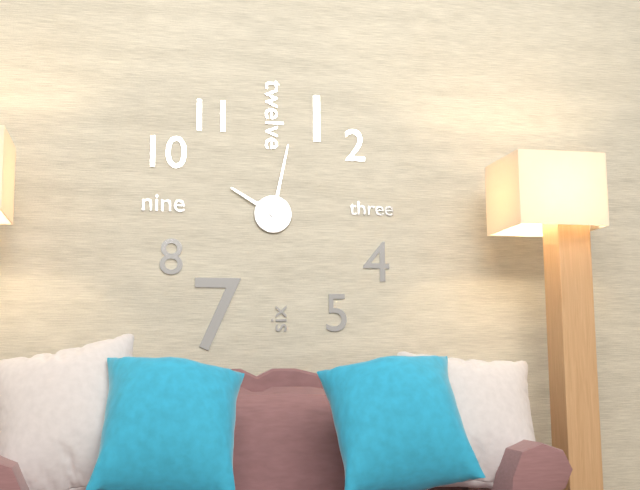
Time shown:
**10:02**
